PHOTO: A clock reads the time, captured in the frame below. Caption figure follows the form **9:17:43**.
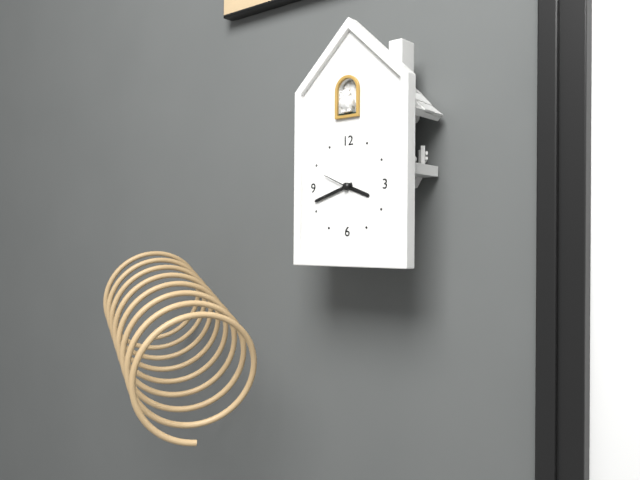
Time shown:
**3:42:49**
